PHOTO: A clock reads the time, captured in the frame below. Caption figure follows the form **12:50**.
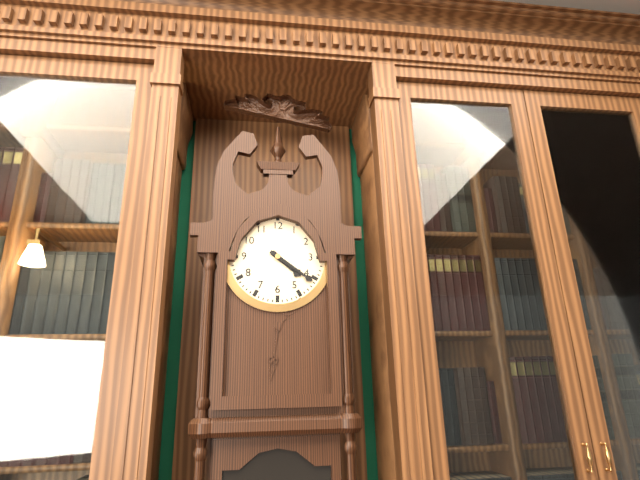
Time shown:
**4:21**
